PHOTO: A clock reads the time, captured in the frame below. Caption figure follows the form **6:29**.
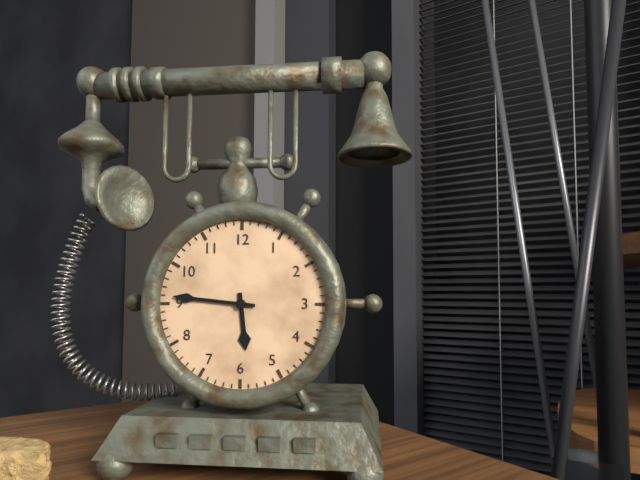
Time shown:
**5:46**
